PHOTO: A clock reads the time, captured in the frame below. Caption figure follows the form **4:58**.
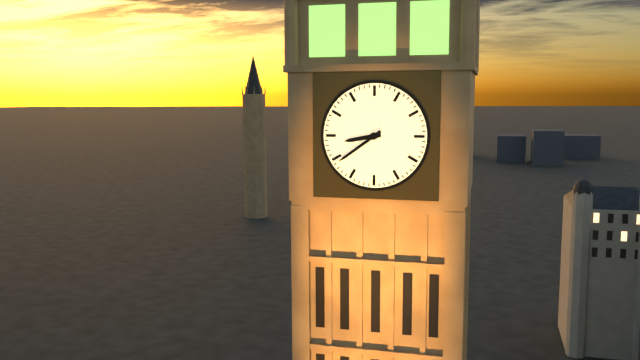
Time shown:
**8:39**
